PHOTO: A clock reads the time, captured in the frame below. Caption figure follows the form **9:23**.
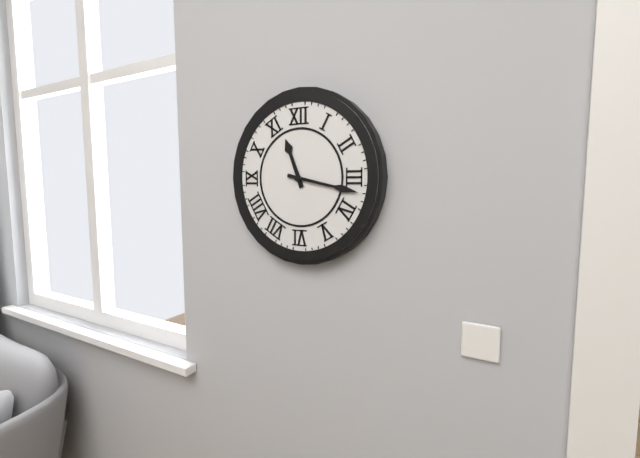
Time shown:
**11:17**
